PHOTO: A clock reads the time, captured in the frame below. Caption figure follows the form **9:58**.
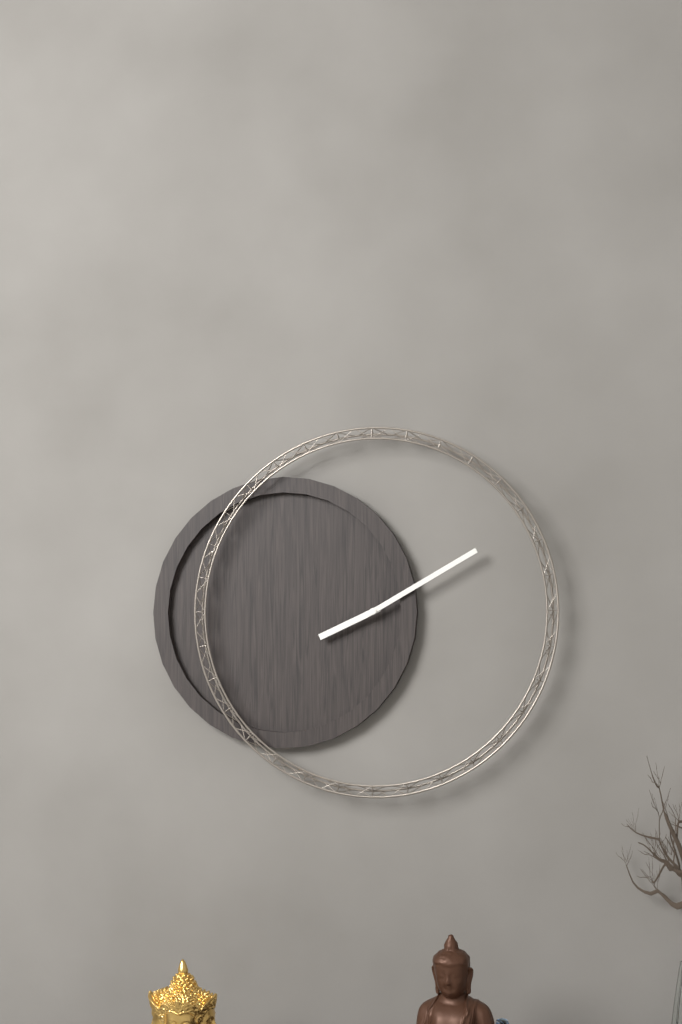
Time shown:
**8:10**
